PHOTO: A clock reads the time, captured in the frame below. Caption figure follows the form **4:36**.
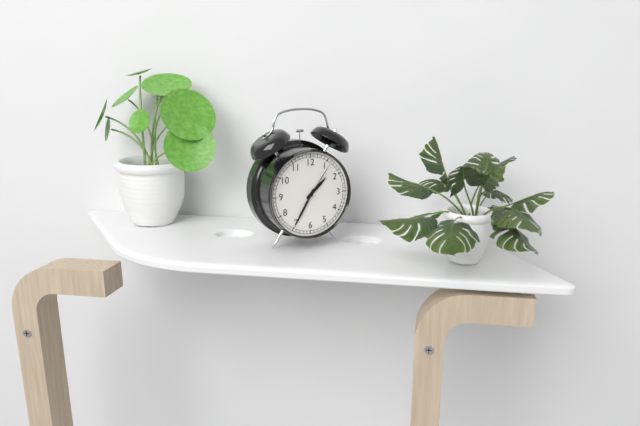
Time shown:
**1:35**
